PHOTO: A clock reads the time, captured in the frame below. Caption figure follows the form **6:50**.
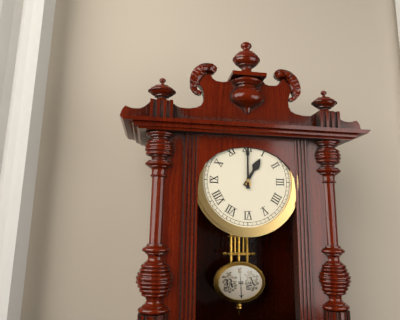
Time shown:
**1:00**
